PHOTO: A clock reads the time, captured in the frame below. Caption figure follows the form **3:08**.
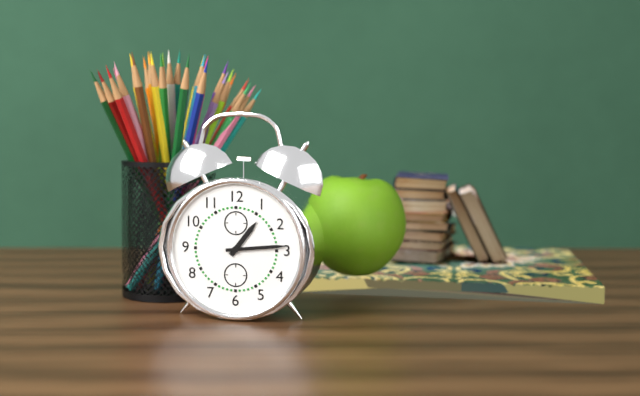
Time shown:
**1:14**
